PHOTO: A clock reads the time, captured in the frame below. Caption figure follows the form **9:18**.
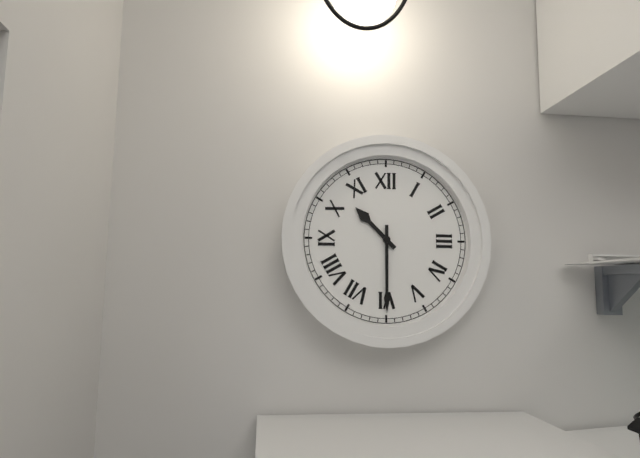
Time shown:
**10:30**
